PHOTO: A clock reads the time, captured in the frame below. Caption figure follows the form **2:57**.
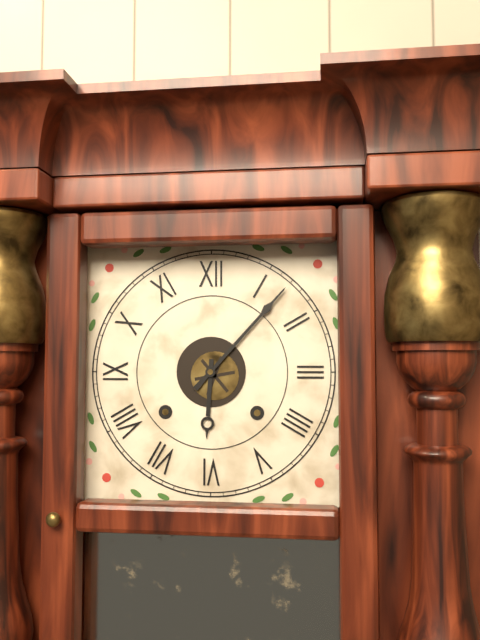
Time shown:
**6:07**
